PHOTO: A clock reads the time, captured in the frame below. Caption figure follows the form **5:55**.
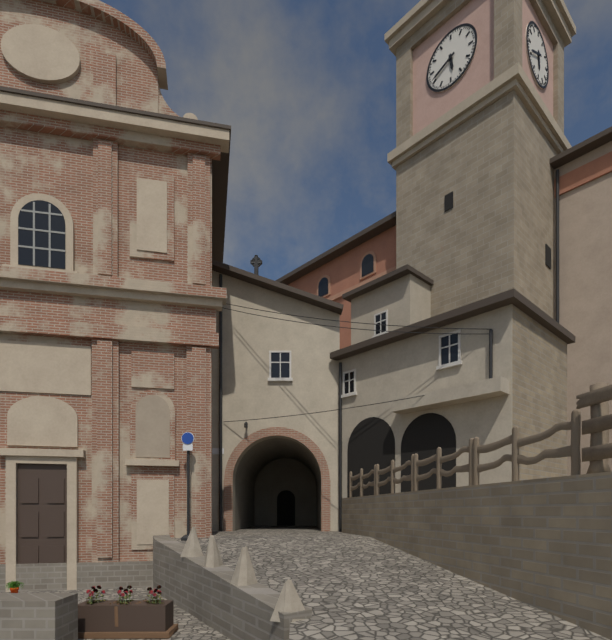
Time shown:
**5:41**
